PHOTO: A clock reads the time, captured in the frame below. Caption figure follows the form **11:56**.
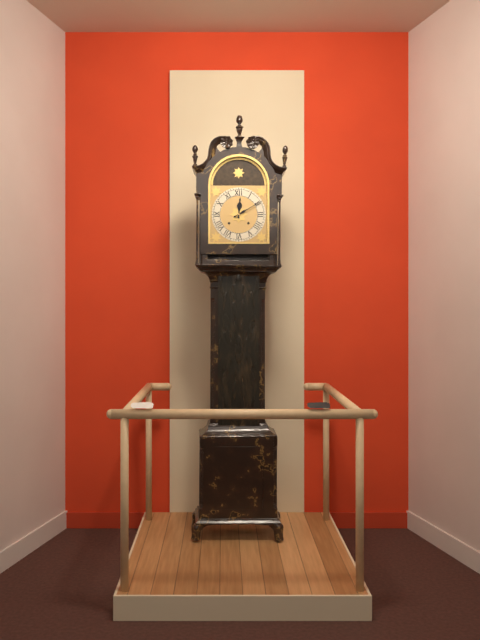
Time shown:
**12:10**
